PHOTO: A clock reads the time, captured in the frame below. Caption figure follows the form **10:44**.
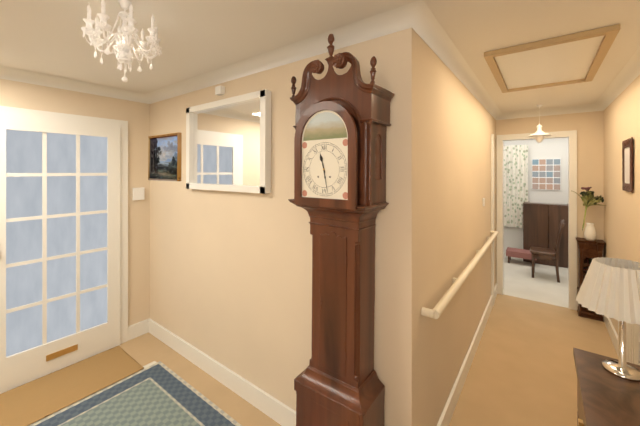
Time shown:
**11:28**
